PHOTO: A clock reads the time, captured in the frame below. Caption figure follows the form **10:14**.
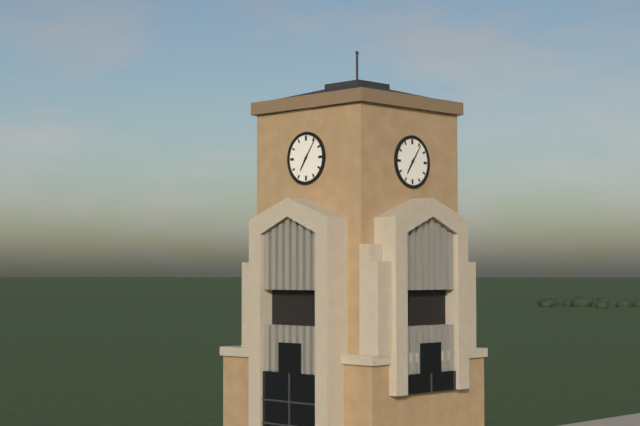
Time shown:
**7:06**
